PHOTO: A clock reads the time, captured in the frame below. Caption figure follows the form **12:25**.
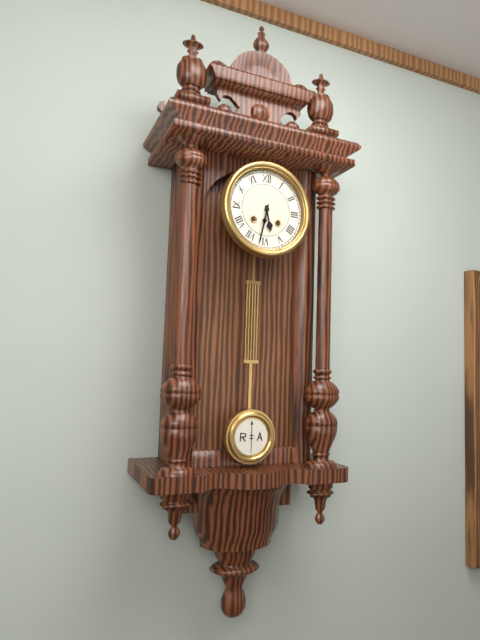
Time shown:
**5:32**
